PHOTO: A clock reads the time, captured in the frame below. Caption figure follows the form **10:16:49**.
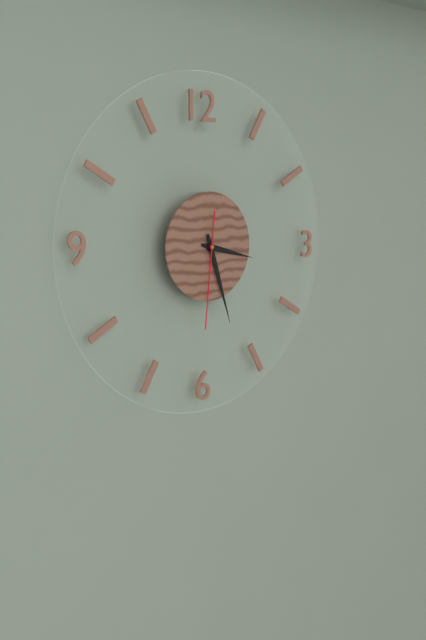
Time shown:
**3:27:31**
